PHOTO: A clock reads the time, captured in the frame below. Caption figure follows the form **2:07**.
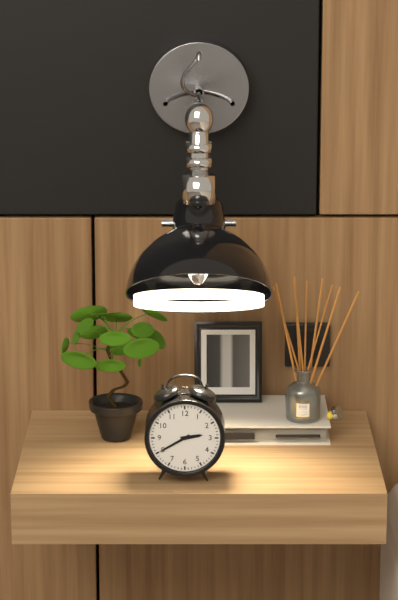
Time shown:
**2:40**
